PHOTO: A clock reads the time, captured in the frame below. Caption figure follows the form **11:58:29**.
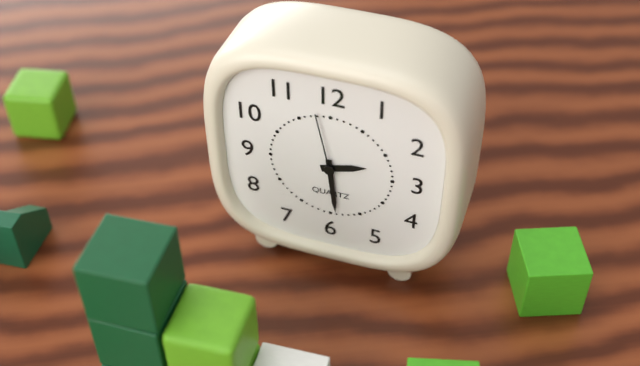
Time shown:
**2:29:58**
